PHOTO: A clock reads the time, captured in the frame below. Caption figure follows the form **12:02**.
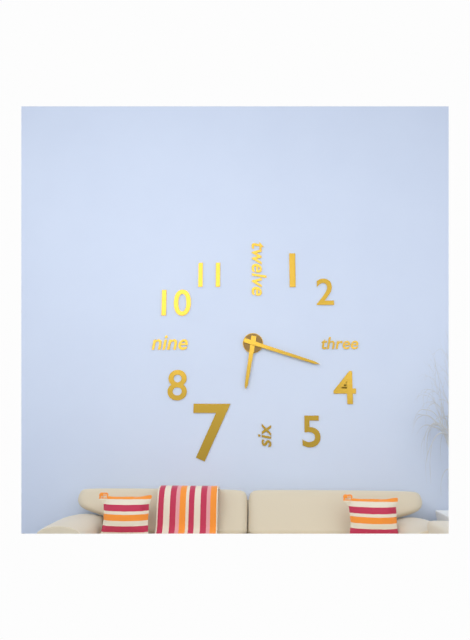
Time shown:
**6:18**
